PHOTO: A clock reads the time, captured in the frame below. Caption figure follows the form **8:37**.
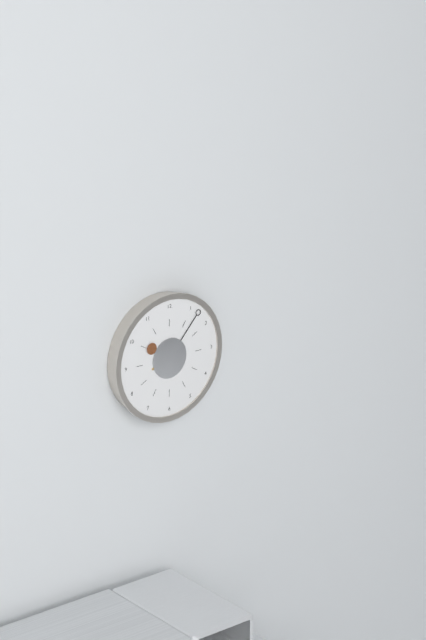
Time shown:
**10:07**
